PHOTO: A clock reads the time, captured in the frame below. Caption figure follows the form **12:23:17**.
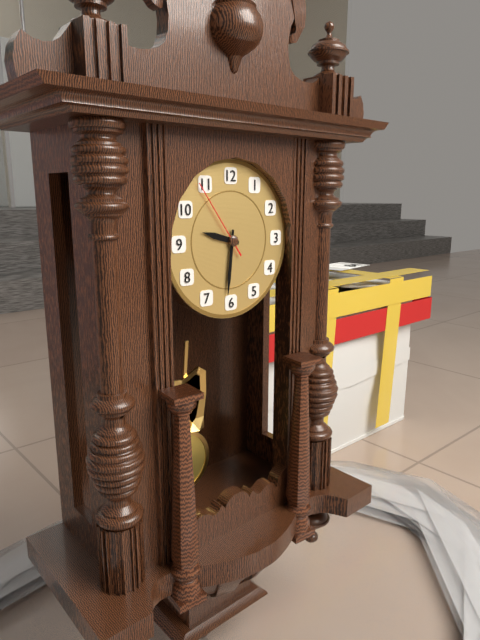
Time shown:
**9:31:54**
